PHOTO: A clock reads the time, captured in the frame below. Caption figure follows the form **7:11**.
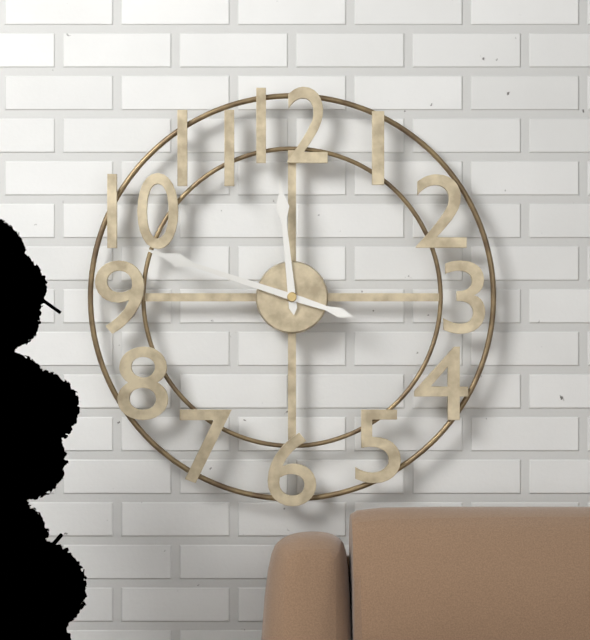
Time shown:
**11:48**
